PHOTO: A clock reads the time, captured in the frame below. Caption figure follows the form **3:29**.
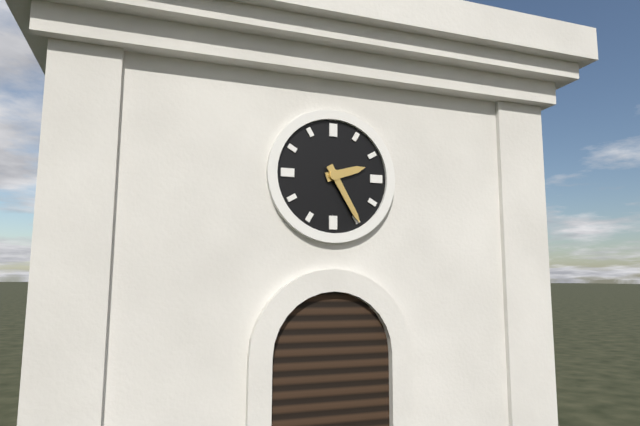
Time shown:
**2:25**
